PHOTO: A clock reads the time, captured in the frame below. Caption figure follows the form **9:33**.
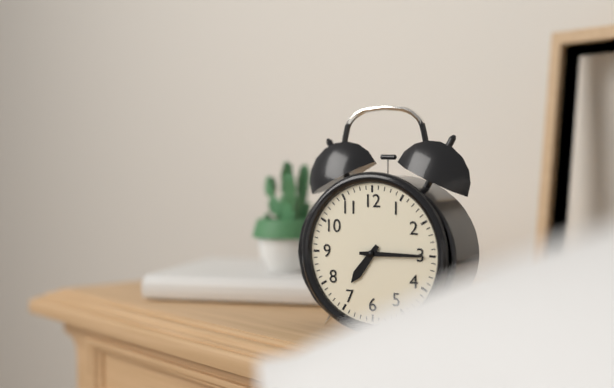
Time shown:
**7:15**
